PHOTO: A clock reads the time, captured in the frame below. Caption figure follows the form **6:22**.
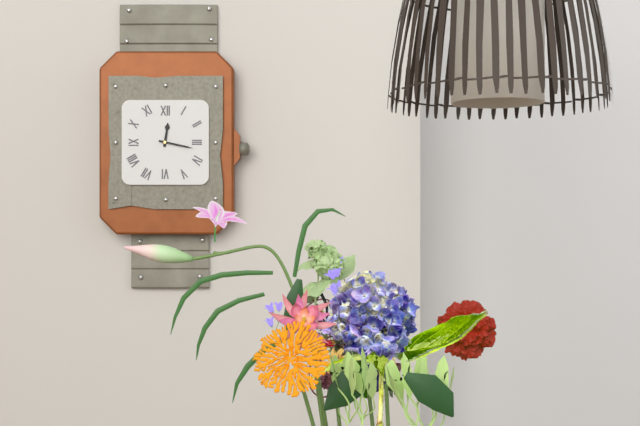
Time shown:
**12:17**
